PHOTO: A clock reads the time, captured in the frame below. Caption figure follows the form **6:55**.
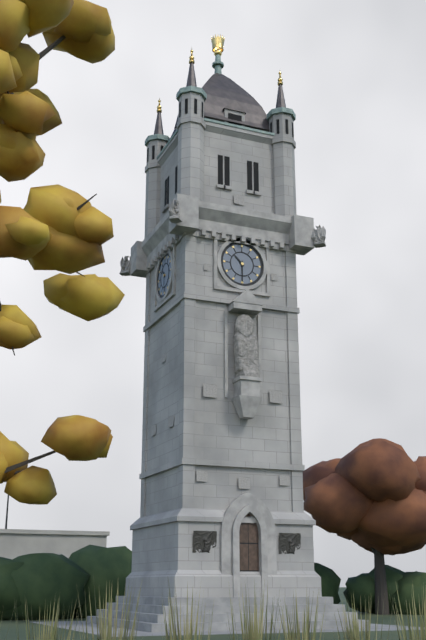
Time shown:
**10:30**
